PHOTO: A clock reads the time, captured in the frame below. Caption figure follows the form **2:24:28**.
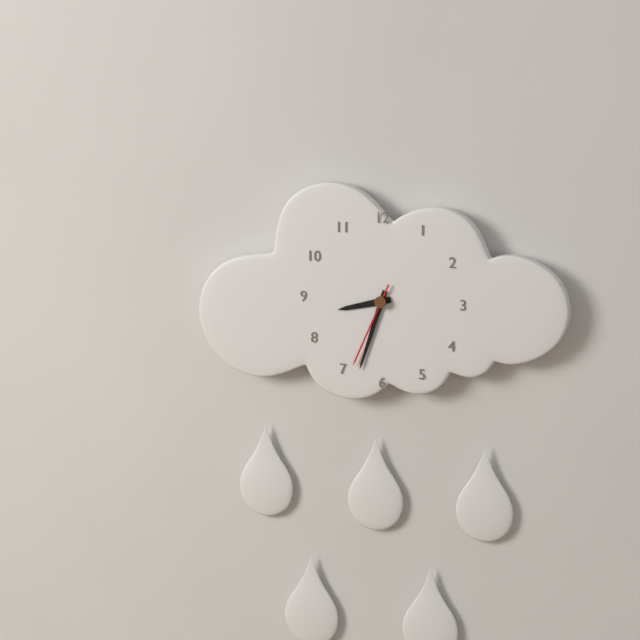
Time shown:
**8:33:34**
